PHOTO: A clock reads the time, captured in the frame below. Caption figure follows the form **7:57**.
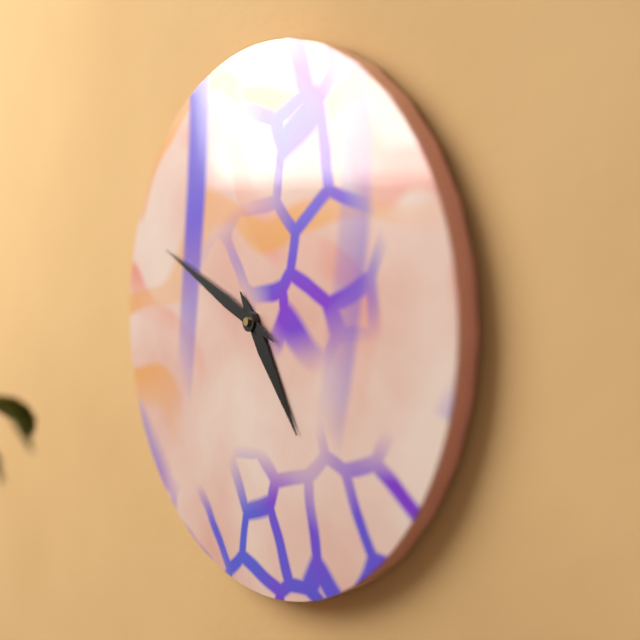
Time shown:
**4:49**
